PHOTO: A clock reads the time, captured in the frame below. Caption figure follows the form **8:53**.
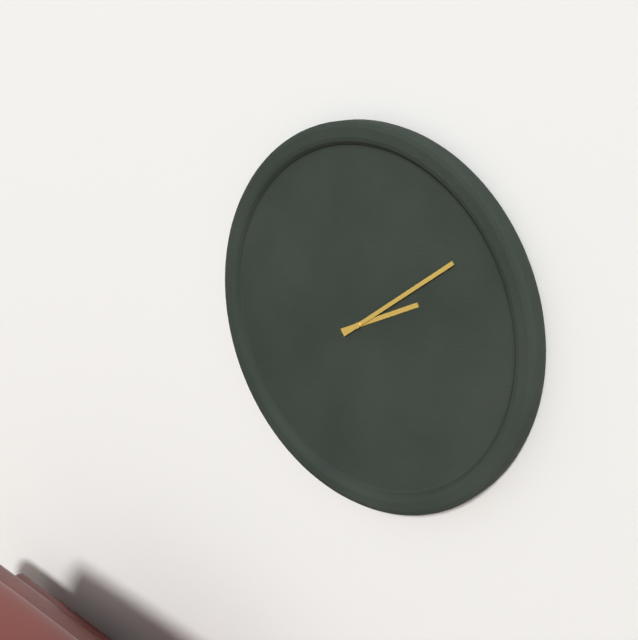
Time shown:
**2:09**
